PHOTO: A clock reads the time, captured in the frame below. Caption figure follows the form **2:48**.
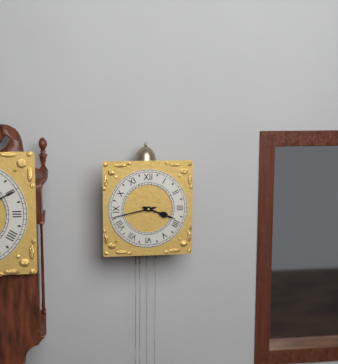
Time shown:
**3:43**
